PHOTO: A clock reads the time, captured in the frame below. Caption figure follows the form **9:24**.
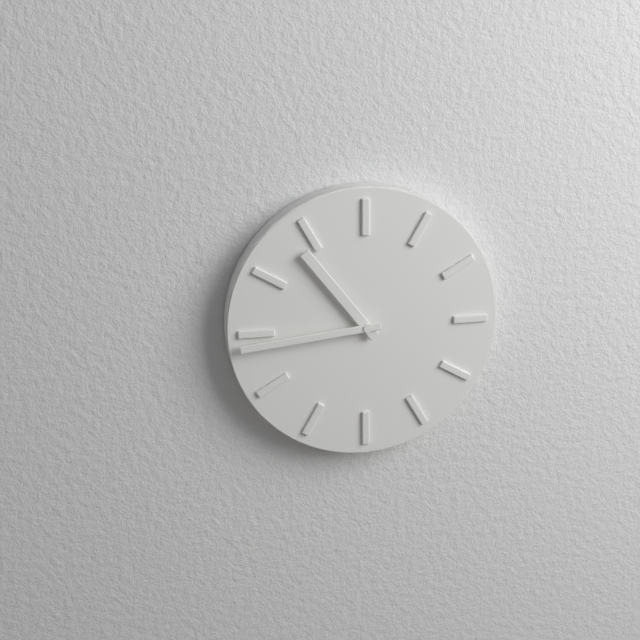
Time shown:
**10:44**
